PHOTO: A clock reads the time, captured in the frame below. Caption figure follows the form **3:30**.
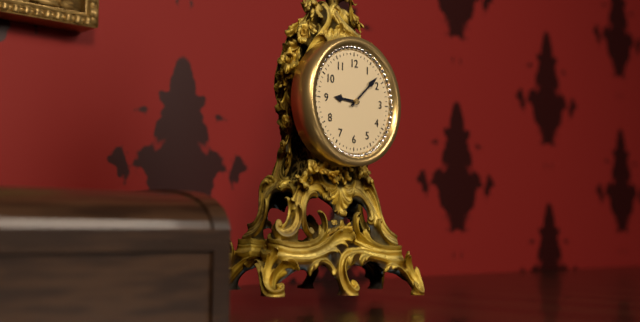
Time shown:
**9:08**
